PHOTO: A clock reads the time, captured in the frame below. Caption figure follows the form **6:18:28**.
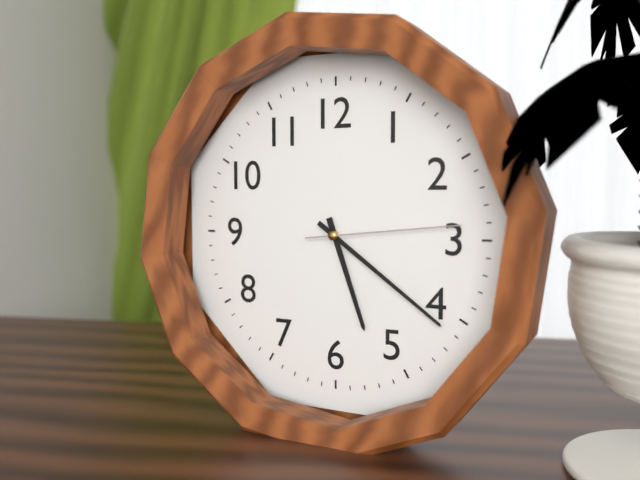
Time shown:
**5:21:14**
